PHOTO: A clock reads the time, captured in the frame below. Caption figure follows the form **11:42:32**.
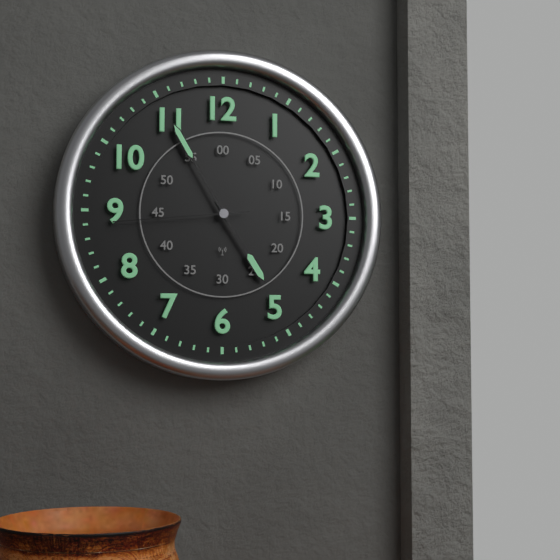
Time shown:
**4:55:44**
